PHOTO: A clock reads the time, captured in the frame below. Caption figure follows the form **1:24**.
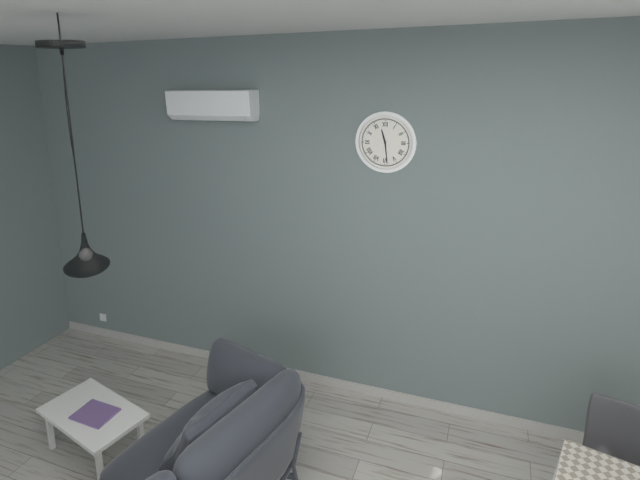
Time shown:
**11:29**
